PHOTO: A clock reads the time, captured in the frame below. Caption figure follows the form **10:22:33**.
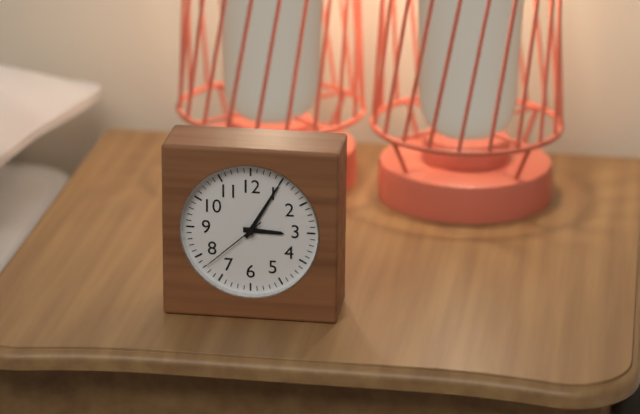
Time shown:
**3:05:38**
